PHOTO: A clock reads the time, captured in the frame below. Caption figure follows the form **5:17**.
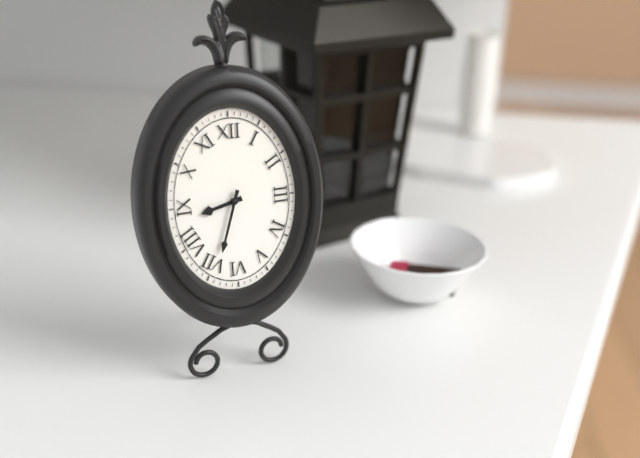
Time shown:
**8:33**
